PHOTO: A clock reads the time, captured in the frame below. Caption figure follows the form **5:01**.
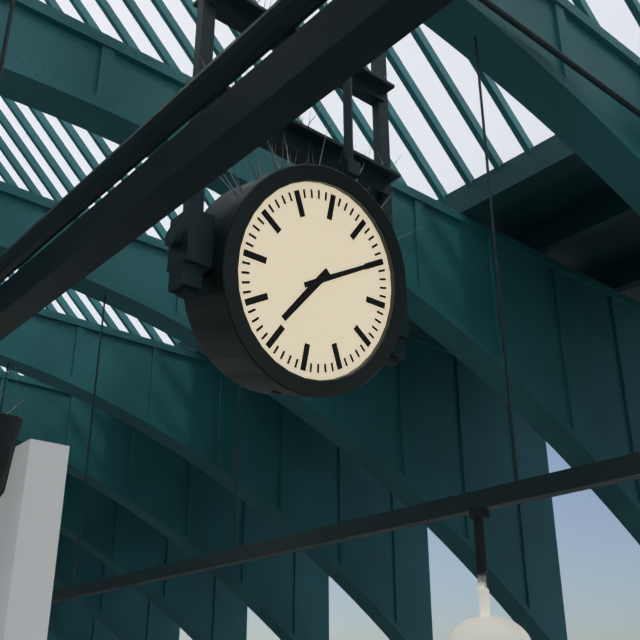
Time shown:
**7:10**
